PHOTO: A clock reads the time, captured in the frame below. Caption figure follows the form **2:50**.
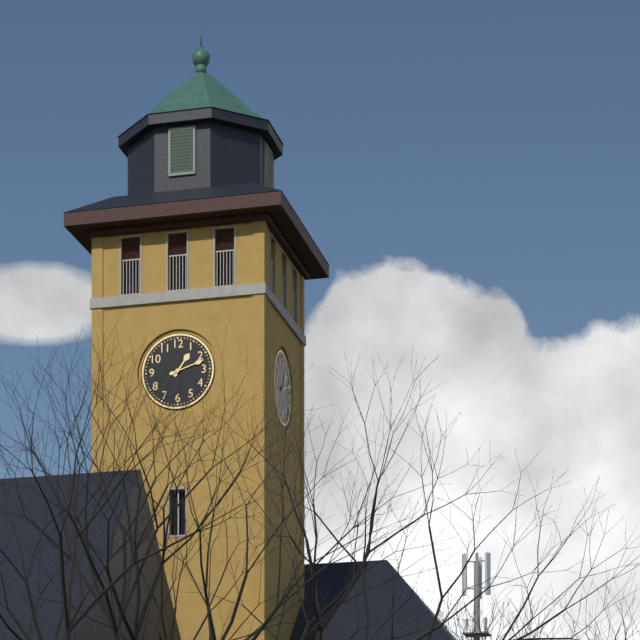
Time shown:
**1:12**
